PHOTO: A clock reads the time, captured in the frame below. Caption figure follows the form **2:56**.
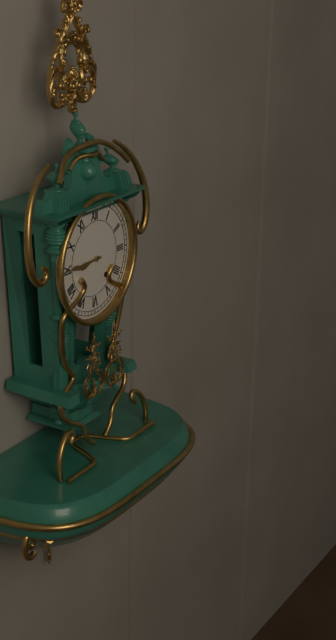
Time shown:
**8:45**
